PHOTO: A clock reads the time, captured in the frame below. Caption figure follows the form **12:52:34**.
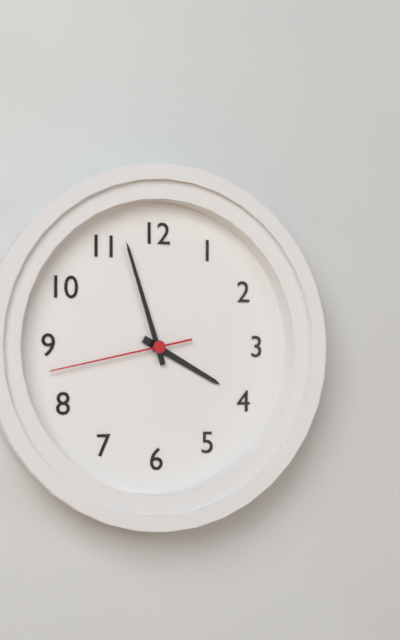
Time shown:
**3:57:43**
